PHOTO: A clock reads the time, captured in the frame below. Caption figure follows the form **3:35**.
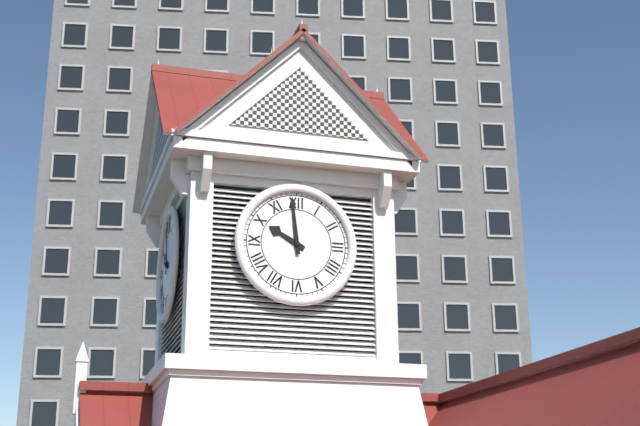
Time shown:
**9:59**
